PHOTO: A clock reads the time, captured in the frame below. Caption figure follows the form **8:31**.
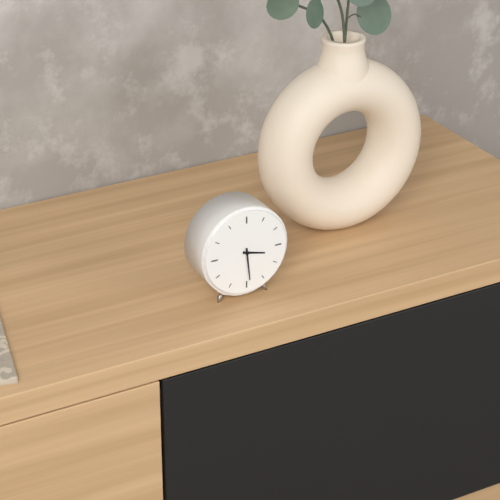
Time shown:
**3:29**
